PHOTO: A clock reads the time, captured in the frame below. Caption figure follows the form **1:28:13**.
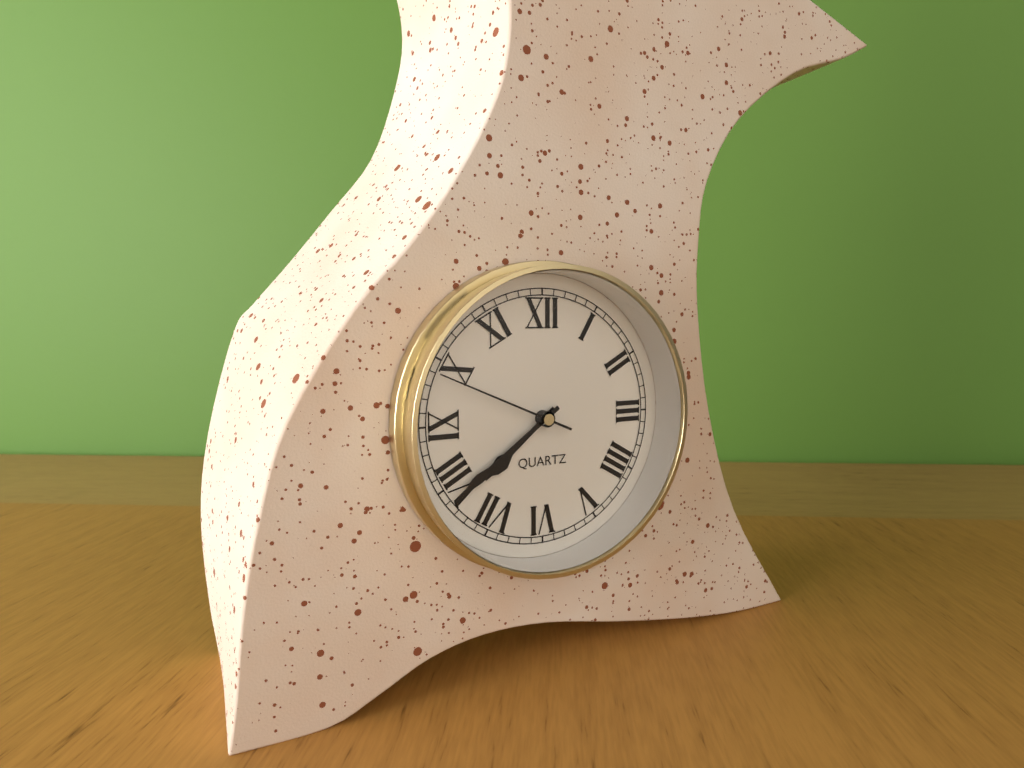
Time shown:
**7:39:49**
